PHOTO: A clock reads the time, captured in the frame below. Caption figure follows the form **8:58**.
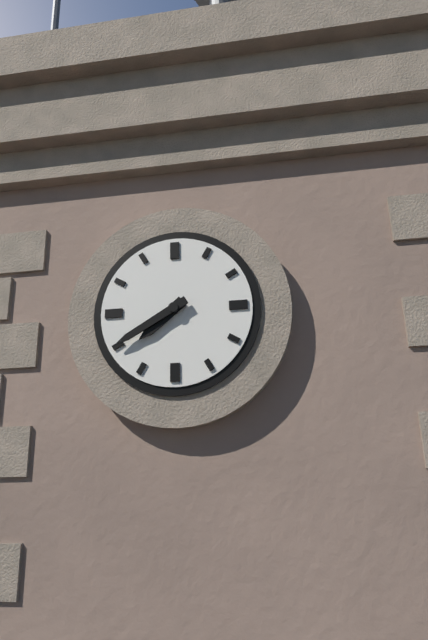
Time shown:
**7:40**
